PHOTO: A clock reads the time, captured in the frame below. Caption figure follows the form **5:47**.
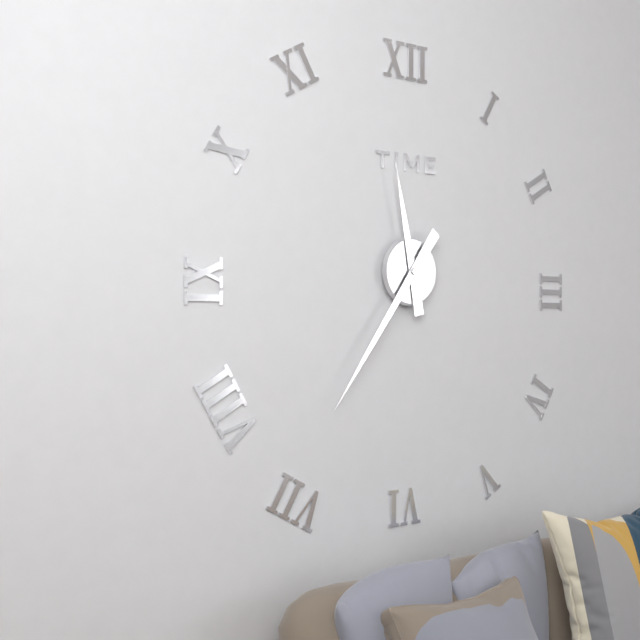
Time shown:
**11:36**
